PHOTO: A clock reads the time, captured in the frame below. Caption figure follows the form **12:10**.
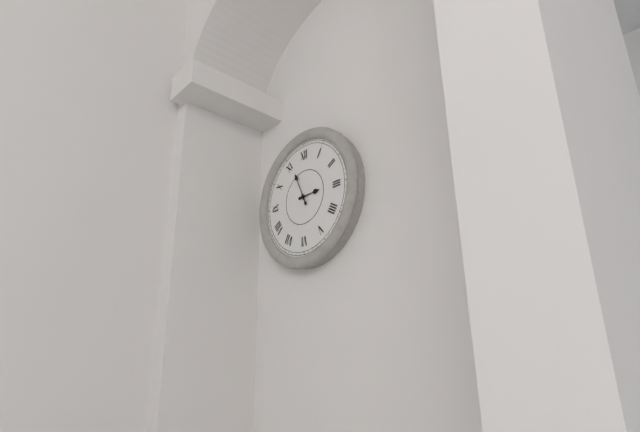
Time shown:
**2:56**
